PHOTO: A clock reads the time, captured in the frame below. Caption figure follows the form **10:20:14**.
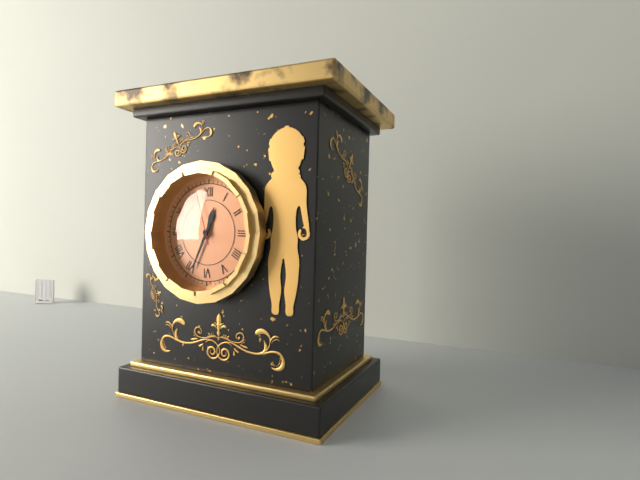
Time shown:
**12:34:57**
